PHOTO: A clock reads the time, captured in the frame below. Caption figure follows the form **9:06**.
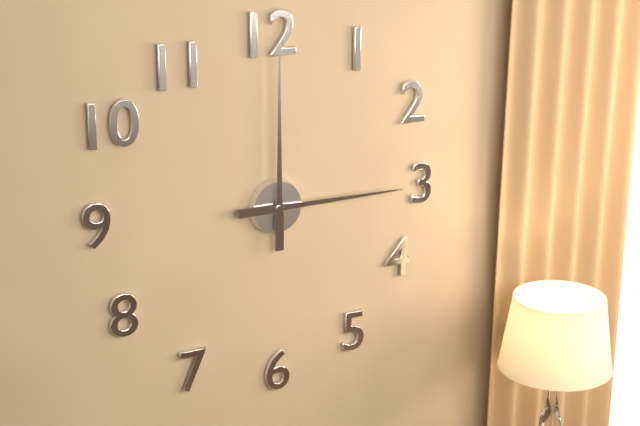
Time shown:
**3:00**
